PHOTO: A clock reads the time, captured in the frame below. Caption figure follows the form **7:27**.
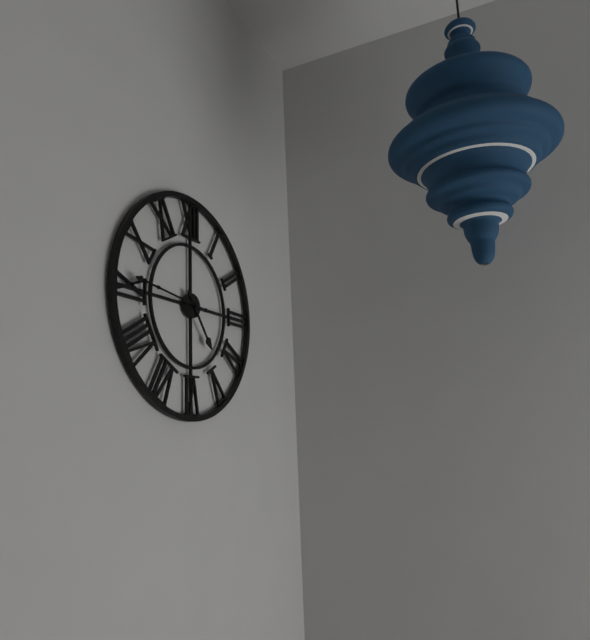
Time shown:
**4:46**
